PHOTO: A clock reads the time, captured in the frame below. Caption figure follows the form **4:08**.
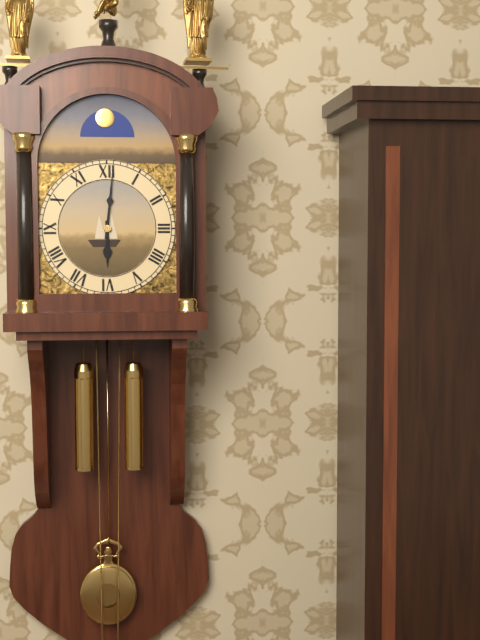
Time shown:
**6:01**
